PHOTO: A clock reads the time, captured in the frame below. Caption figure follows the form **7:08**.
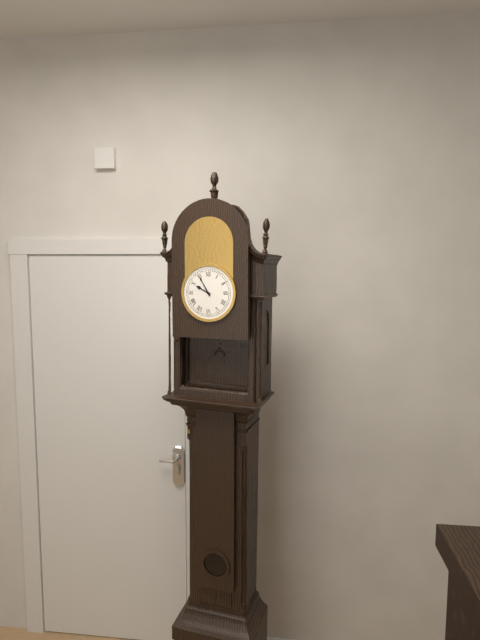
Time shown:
**9:55**
